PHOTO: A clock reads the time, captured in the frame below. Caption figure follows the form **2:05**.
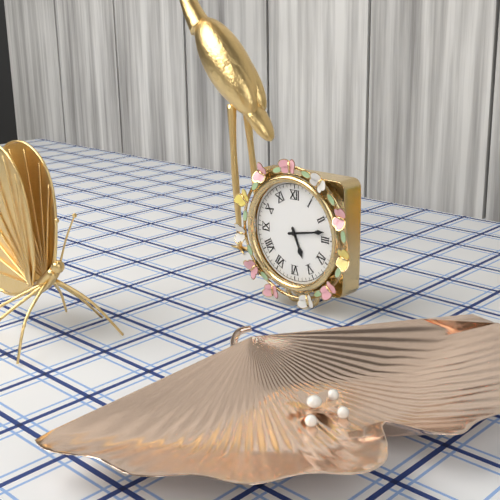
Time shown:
**5:13**
